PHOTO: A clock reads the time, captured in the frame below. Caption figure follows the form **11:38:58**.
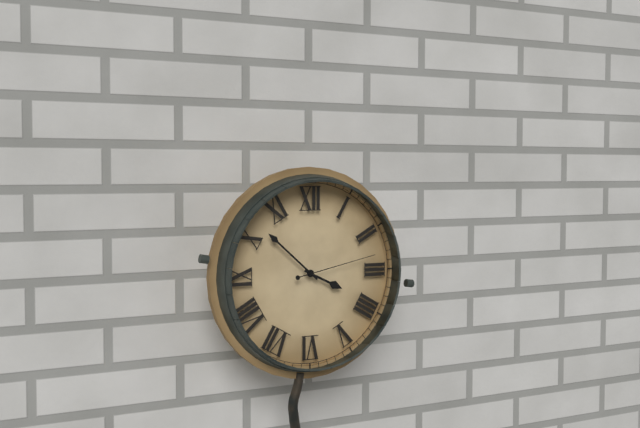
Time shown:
**3:52:13**
